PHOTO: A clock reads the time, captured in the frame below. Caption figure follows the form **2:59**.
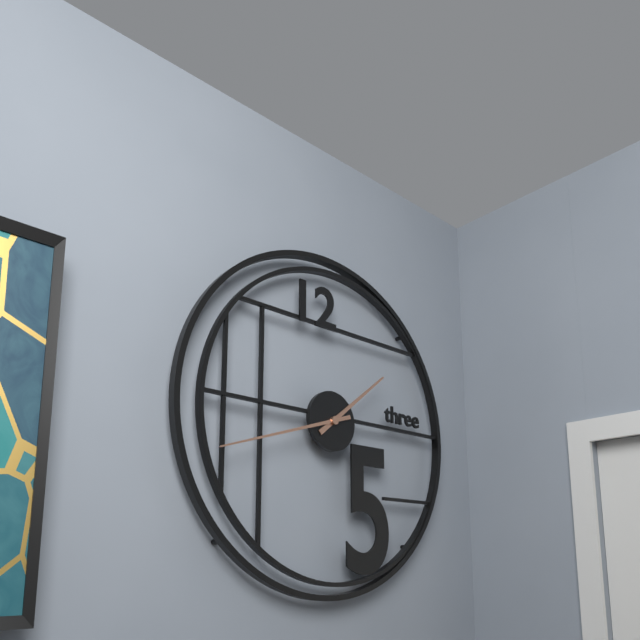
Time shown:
**1:42**
